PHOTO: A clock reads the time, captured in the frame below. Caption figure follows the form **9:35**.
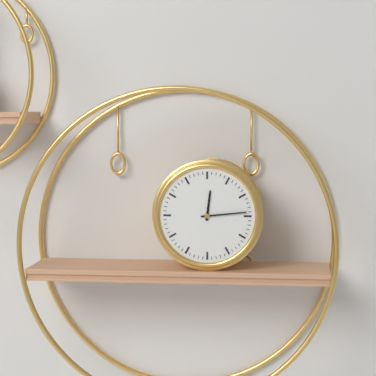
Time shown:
**12:14**
